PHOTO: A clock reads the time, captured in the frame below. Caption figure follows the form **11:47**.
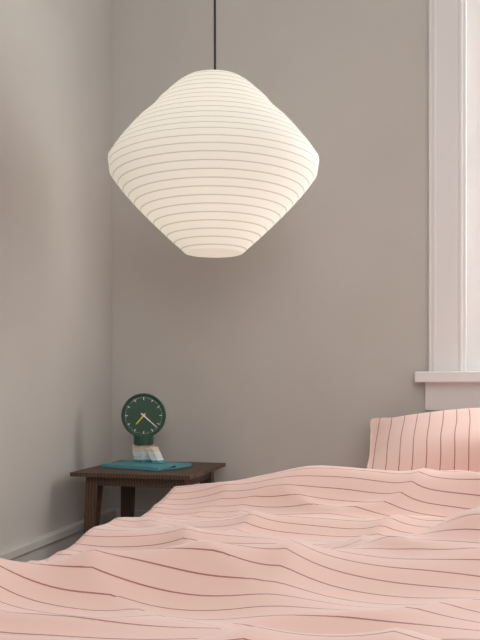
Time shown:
**7:22**
